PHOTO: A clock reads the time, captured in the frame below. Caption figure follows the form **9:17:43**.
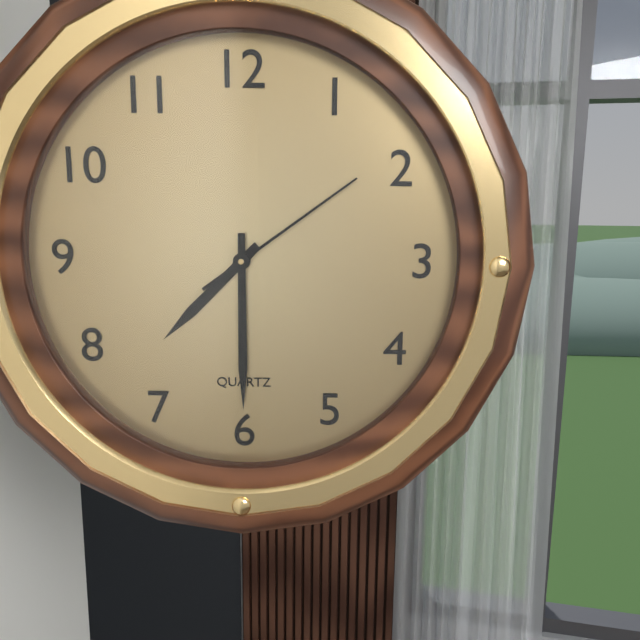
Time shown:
**7:30:09**
